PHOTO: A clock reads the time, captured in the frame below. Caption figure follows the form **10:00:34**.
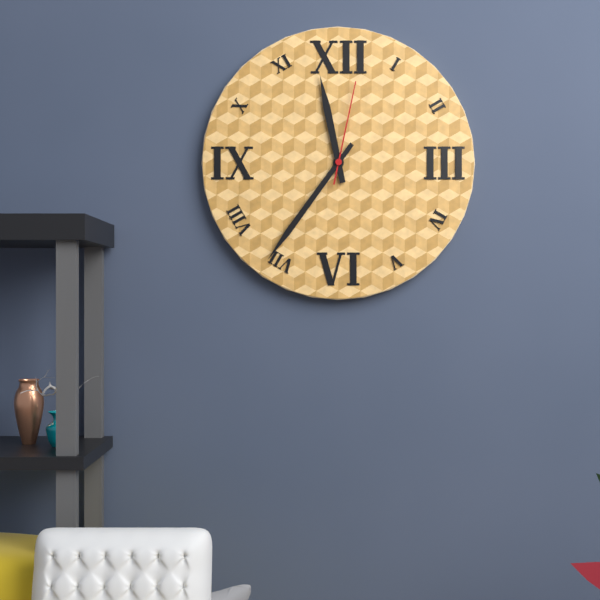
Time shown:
**11:36:02**
